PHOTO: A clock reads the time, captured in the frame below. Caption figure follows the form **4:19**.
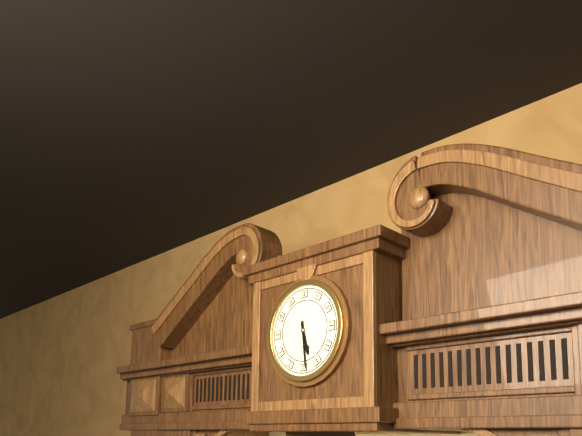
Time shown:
**5:29**
